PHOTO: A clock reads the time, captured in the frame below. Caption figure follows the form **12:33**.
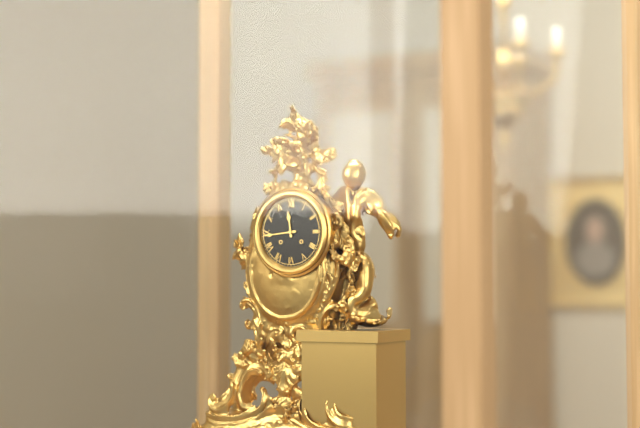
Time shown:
**11:44**
